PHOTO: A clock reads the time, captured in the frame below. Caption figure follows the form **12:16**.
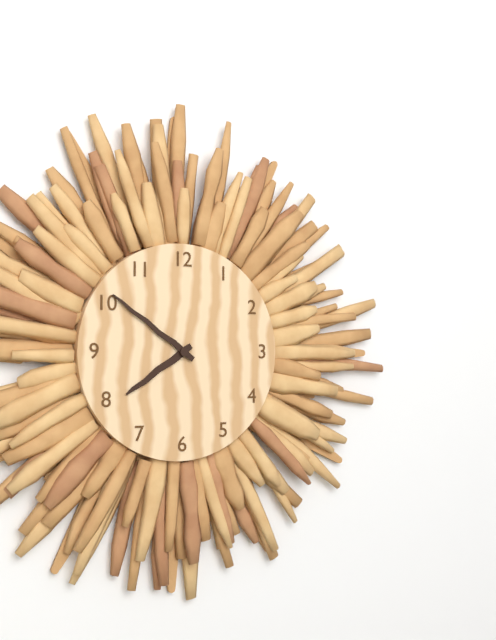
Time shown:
**7:51**
